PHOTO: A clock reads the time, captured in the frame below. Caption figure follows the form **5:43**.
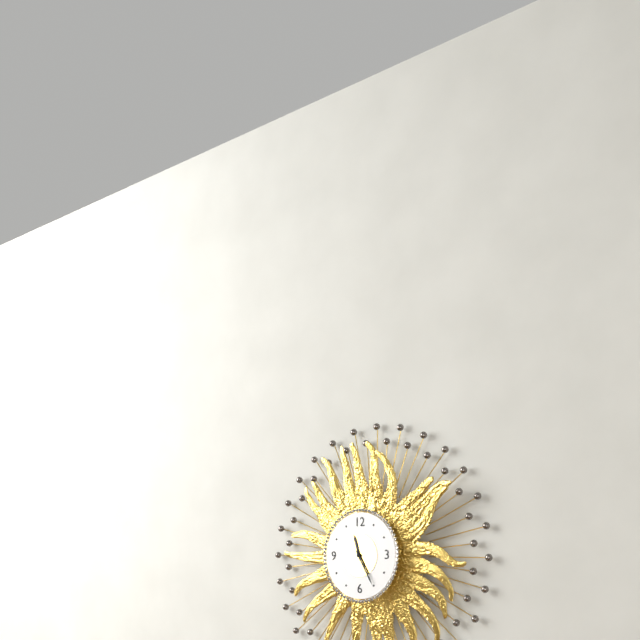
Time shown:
**11:25**
